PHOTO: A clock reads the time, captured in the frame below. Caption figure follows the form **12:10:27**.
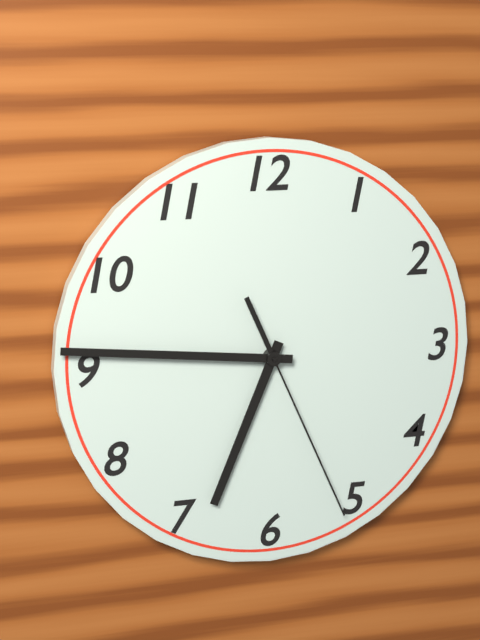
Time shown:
**6:46:26**
